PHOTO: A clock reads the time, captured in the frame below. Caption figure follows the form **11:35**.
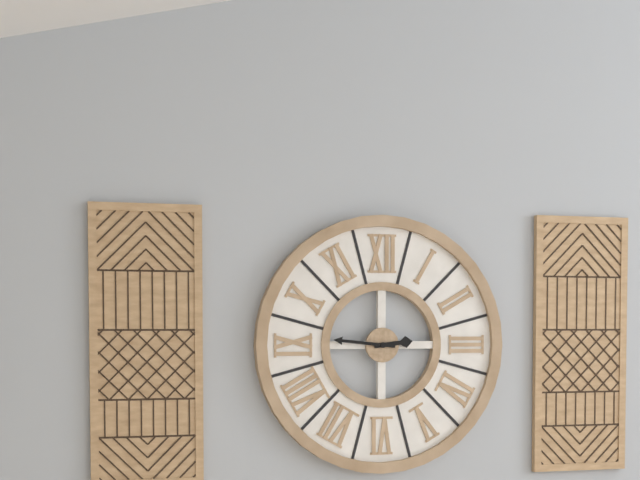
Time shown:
**2:46**
